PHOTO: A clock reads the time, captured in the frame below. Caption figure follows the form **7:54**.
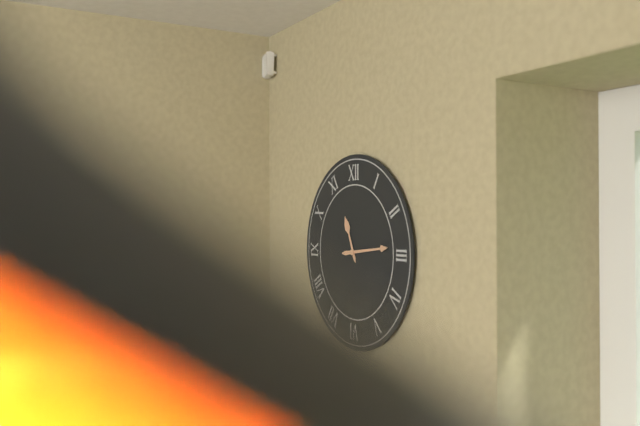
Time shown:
**11:14**
